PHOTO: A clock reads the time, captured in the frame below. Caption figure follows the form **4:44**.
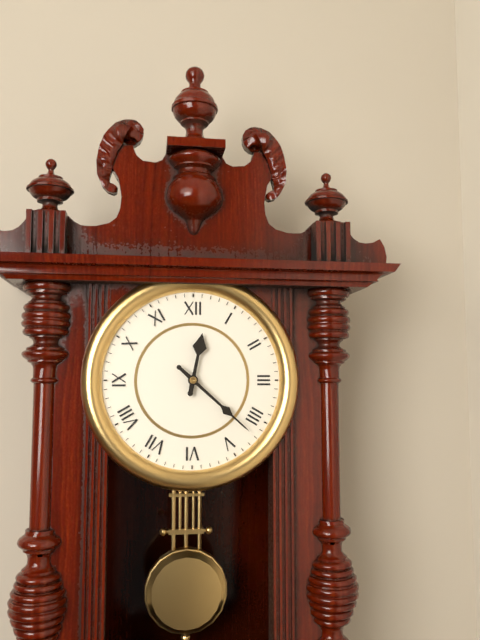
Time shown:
**12:22**
